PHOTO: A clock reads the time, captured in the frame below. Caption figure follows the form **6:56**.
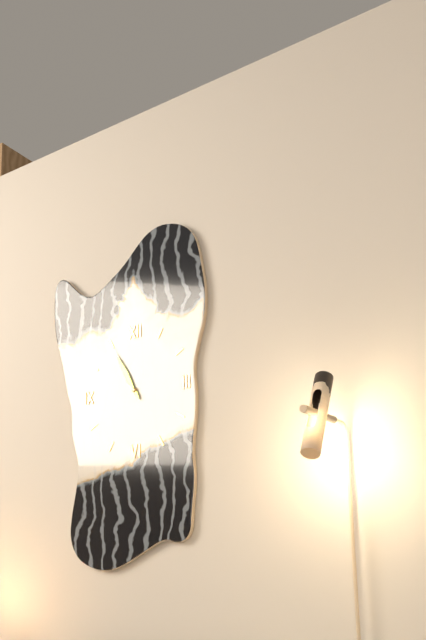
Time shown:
**10:55**
